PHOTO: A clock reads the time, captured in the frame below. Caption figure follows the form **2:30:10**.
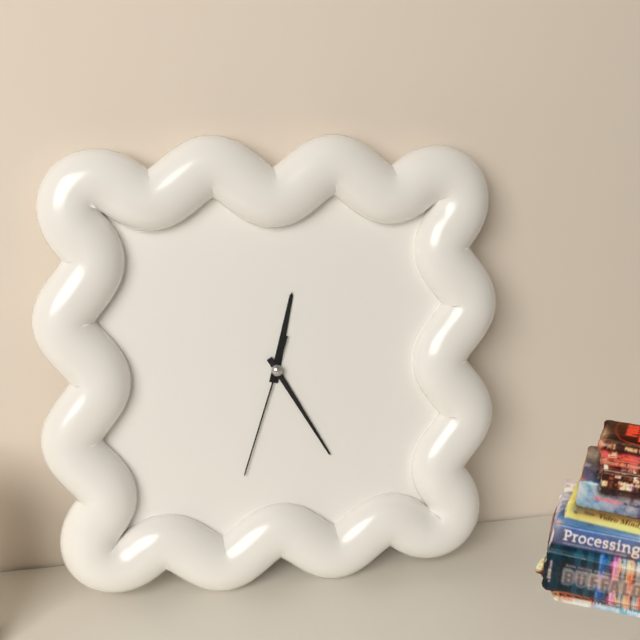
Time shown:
**12:25:33**
